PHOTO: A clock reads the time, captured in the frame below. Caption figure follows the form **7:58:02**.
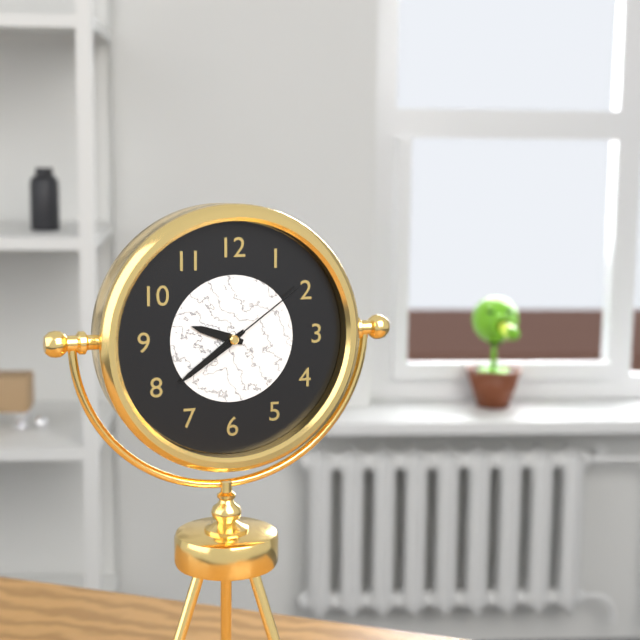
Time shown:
**9:39:09**
